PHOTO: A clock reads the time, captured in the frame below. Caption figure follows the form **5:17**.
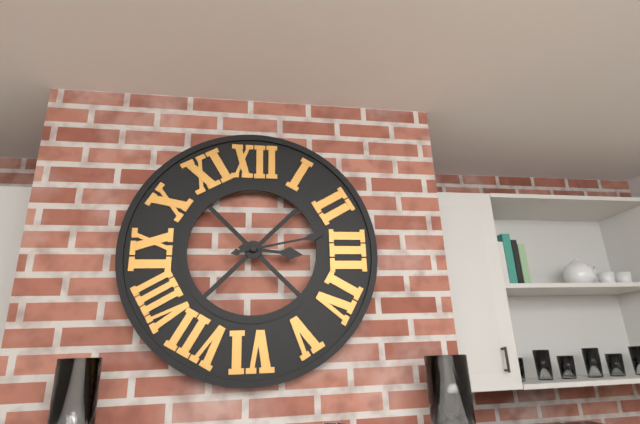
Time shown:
**3:13**
